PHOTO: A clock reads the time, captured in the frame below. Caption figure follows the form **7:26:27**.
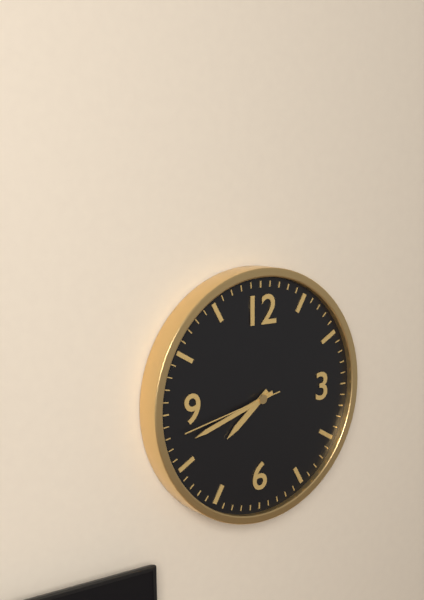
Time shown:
**7:42:43**
